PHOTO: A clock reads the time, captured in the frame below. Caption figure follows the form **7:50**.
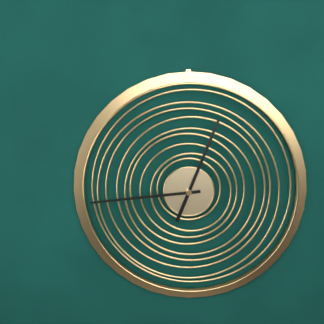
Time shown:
**12:44**
